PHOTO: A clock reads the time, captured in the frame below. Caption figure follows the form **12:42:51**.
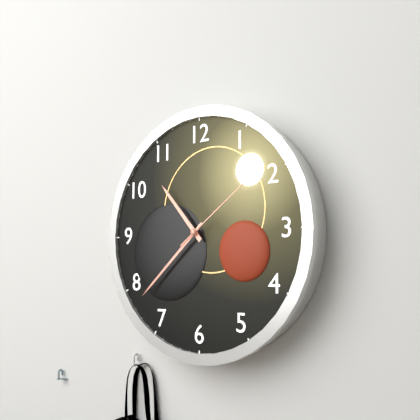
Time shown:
**10:38:09**
